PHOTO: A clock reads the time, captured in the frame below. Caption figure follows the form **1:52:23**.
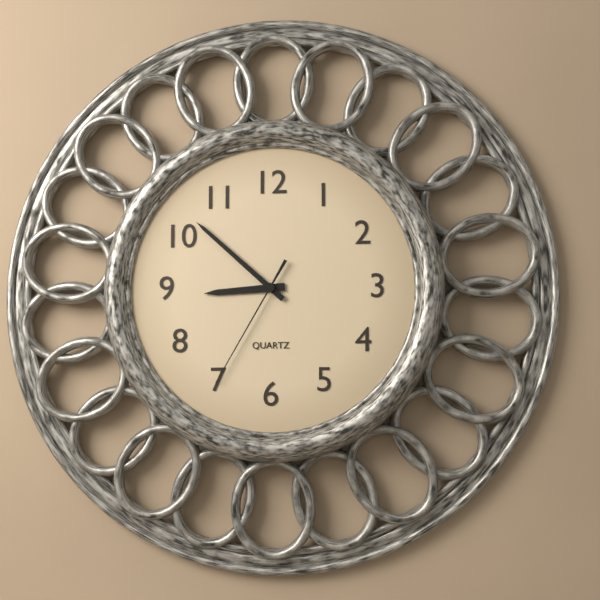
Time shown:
**8:52:35**
